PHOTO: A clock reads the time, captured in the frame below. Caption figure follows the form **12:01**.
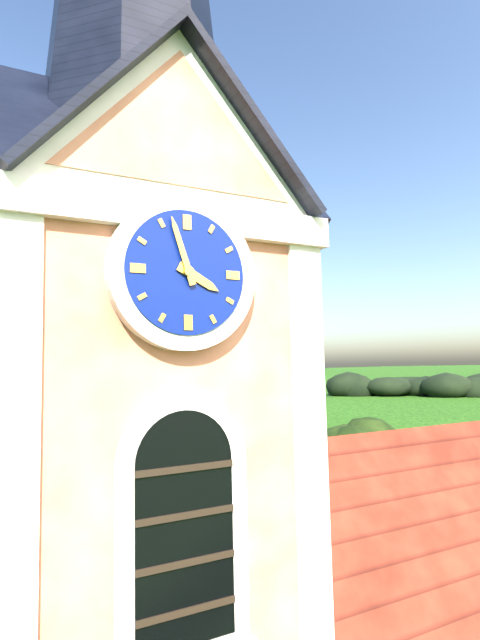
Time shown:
**3:57**
